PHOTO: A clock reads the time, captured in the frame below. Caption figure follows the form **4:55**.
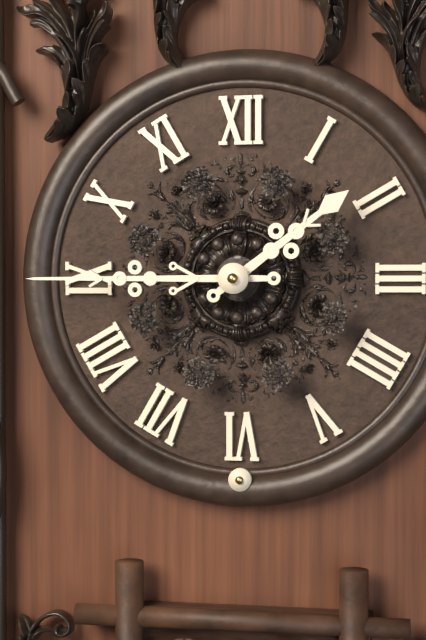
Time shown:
**1:45**
